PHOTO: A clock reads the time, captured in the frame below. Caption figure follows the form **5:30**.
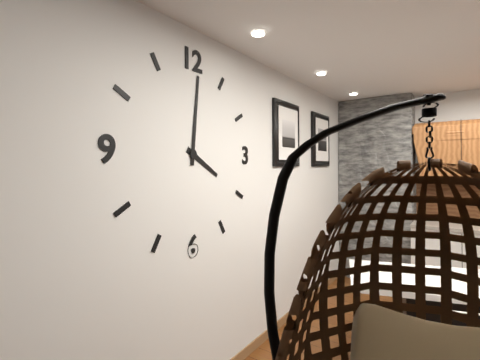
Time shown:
**4:01**
